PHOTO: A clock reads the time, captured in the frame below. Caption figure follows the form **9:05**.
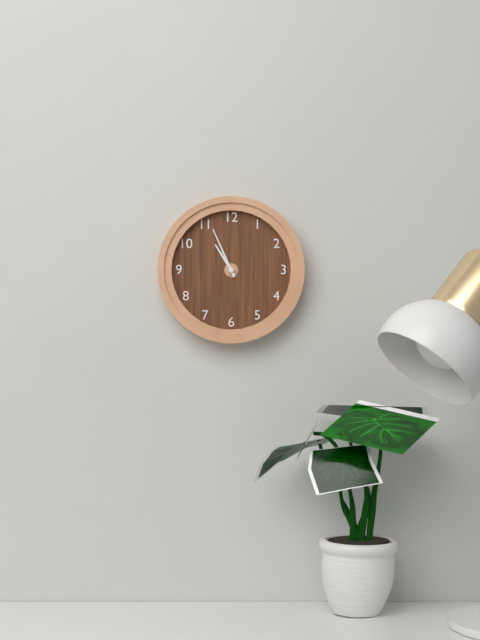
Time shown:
**10:56**
